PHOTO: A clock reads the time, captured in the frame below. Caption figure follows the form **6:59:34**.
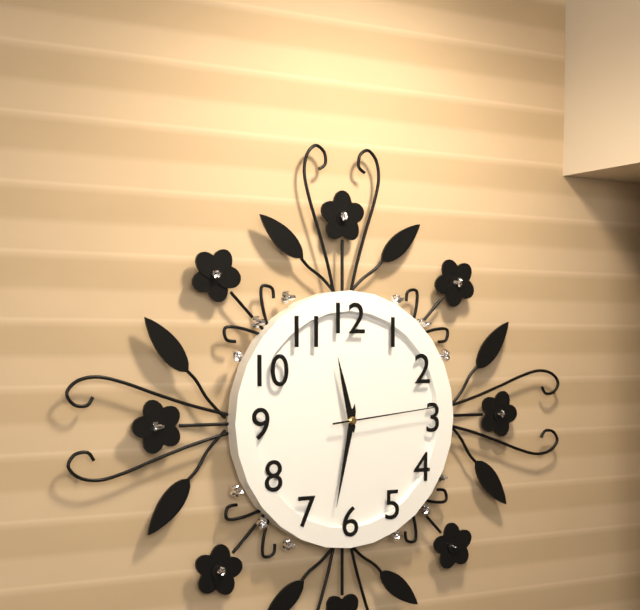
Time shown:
**11:32:14**
